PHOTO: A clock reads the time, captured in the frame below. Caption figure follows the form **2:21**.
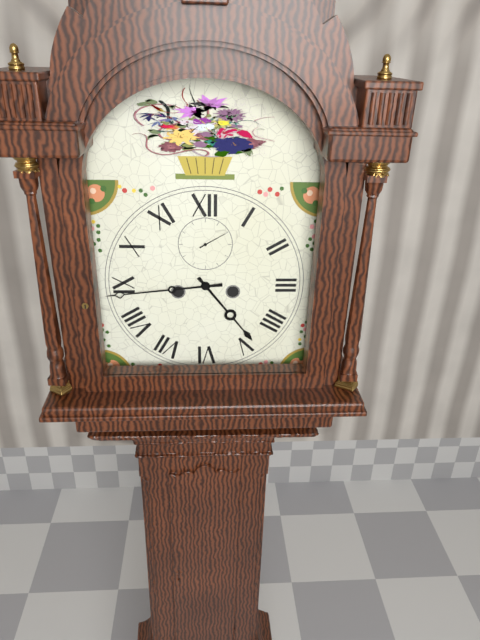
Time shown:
**4:44**
